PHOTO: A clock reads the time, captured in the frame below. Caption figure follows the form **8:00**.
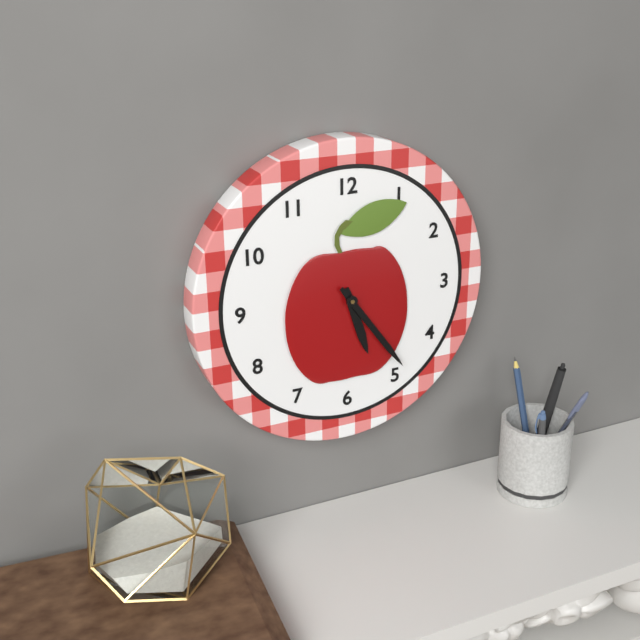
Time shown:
**5:24**
